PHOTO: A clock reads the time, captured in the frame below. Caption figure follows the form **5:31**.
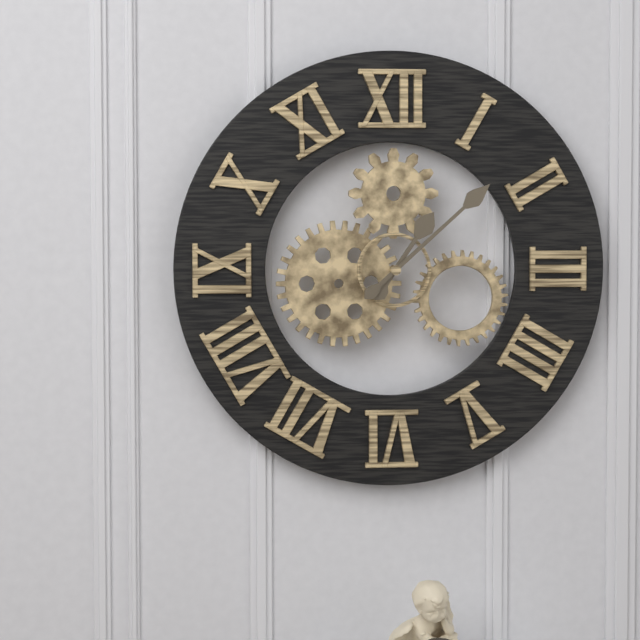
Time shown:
**1:08**
